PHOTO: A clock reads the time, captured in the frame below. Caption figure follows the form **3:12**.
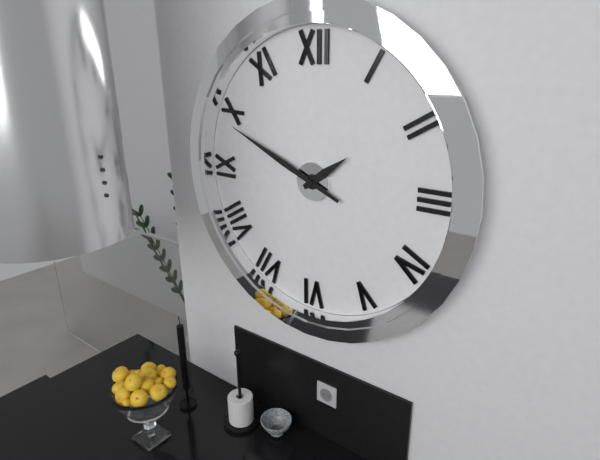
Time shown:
**1:49**
